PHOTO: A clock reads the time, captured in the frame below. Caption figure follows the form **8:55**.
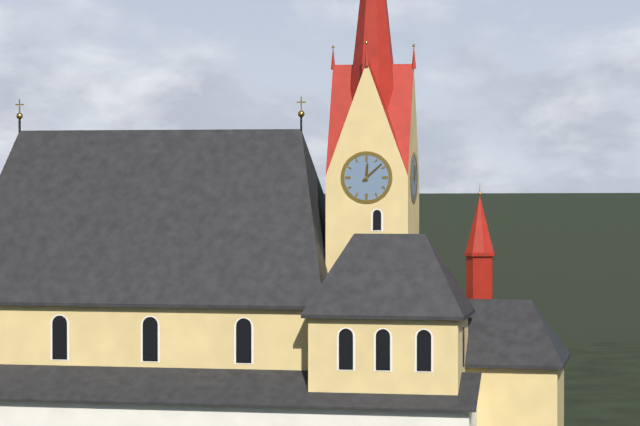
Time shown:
**12:08**
